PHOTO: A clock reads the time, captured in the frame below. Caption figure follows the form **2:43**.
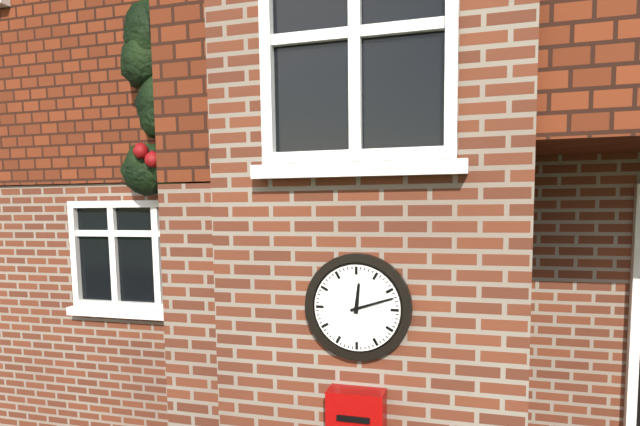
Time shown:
**12:12**
